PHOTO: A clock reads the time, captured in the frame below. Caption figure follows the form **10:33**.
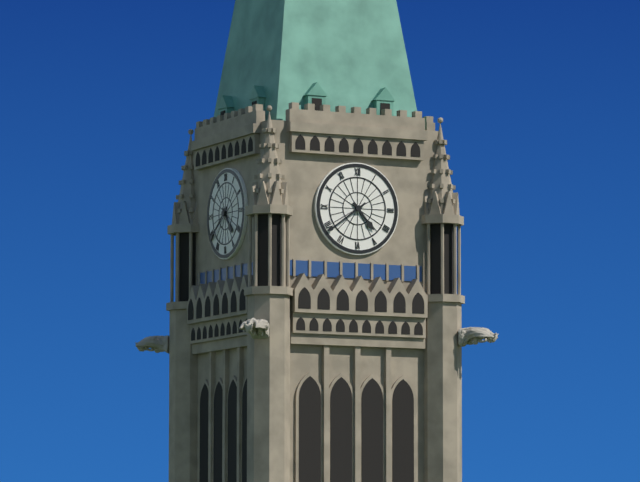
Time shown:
**4:39**
